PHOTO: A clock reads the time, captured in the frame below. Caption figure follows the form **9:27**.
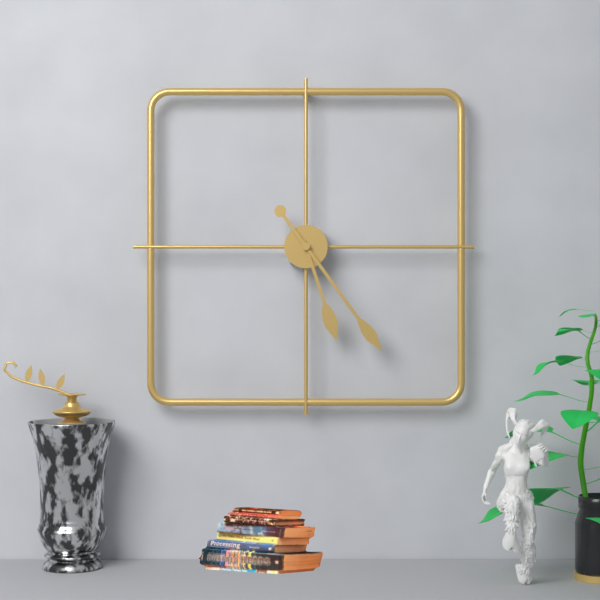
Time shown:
**5:24**
